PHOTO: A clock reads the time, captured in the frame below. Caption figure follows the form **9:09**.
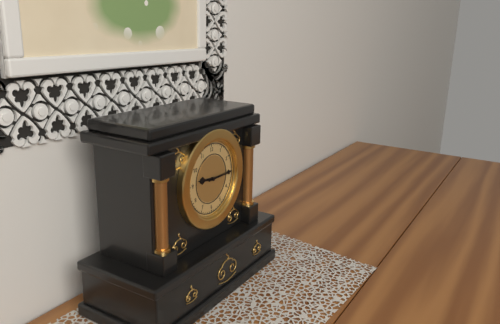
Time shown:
**9:15**
